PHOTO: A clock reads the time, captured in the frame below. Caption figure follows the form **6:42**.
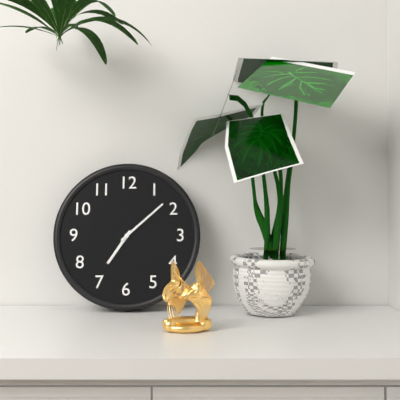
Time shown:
**7:08**
